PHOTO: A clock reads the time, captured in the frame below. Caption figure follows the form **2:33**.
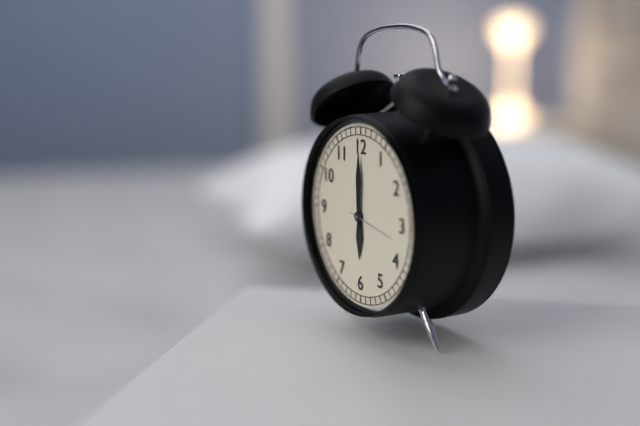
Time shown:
**6:00**
